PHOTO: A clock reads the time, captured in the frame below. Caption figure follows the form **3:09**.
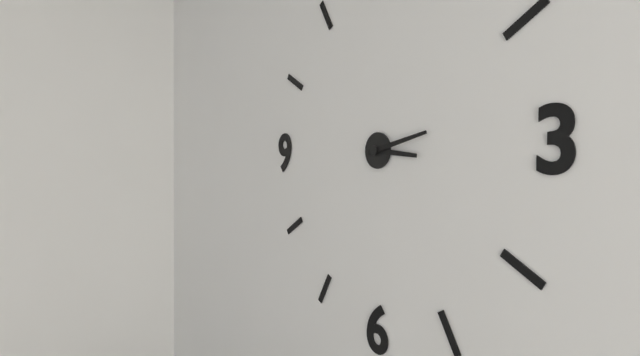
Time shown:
**3:13**
